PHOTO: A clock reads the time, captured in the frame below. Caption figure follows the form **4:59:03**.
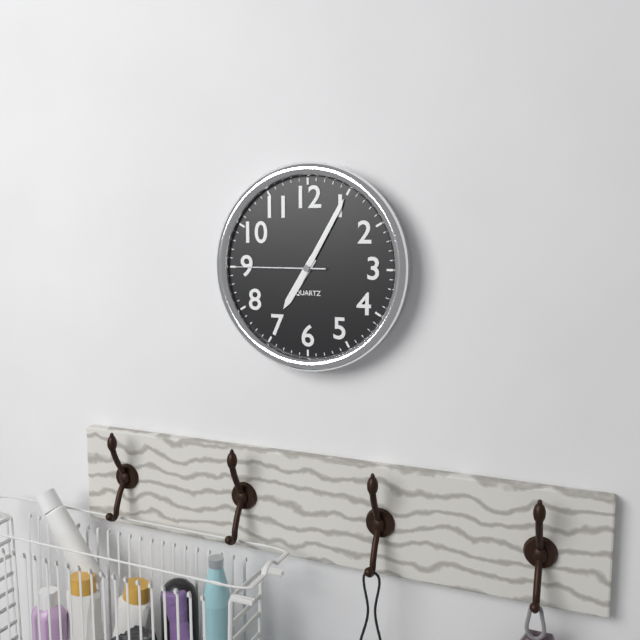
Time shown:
**7:05:45**
